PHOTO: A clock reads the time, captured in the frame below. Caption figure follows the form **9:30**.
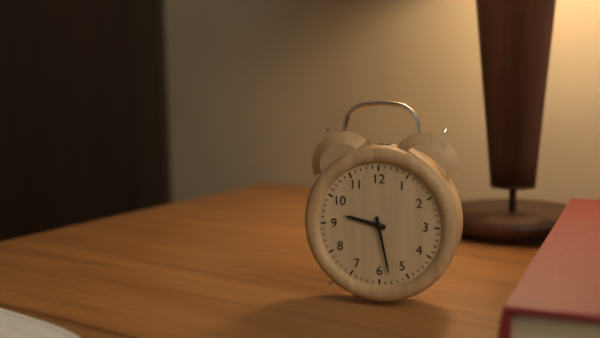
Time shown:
**9:28**
